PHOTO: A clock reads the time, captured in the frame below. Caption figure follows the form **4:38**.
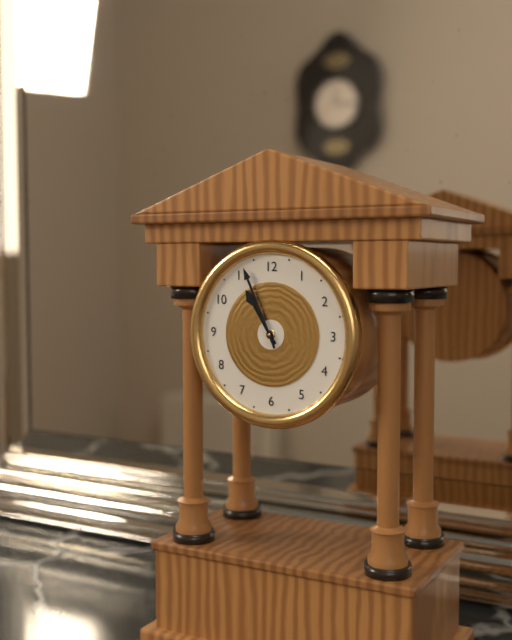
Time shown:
**10:56**
